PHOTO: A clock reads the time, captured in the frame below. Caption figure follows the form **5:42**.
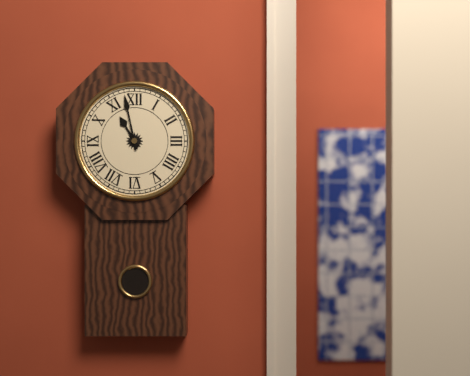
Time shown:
**10:58**
